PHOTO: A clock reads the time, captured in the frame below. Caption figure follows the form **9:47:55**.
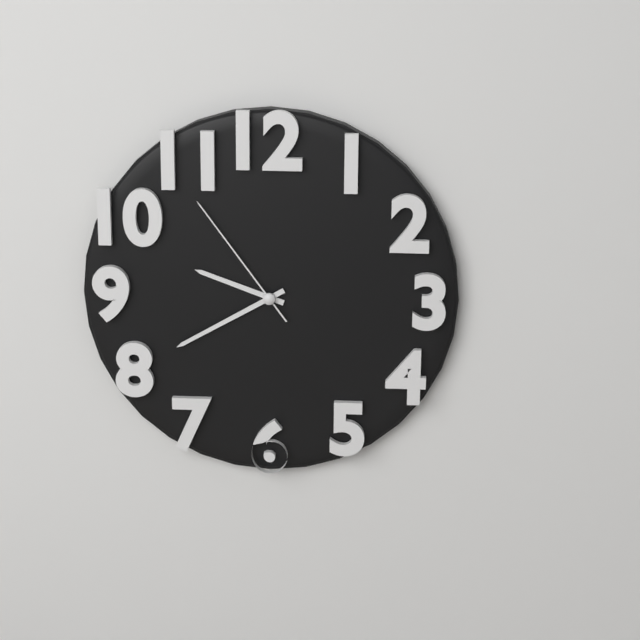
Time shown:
**9:40:54**
